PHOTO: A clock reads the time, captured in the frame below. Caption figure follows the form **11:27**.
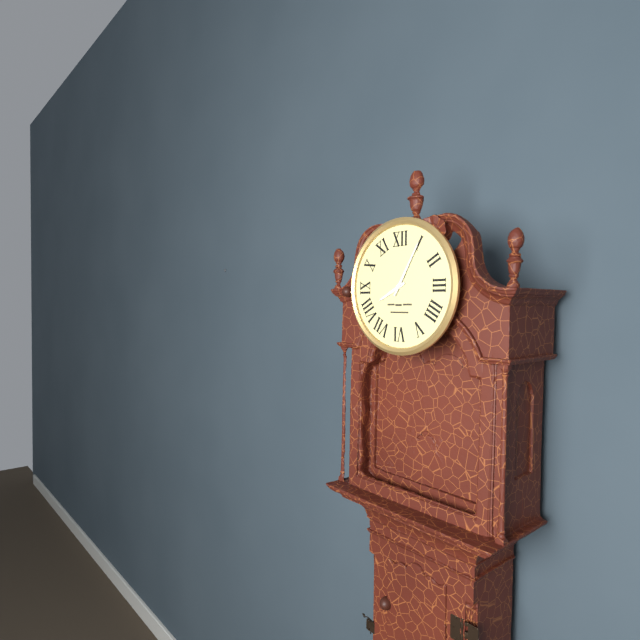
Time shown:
**8:05**
